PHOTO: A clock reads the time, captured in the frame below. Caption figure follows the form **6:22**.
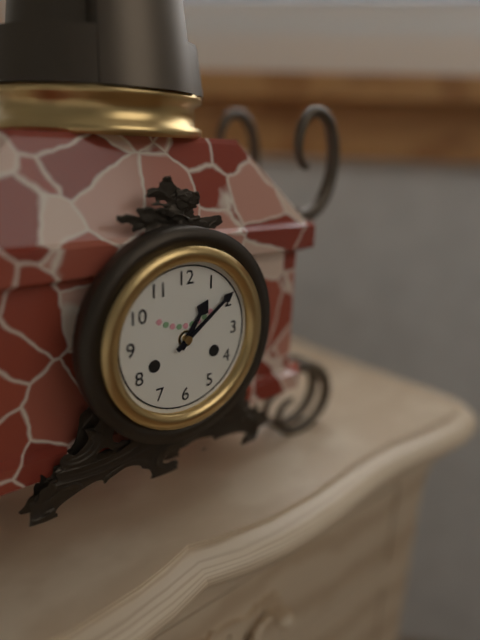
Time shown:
**1:09**
